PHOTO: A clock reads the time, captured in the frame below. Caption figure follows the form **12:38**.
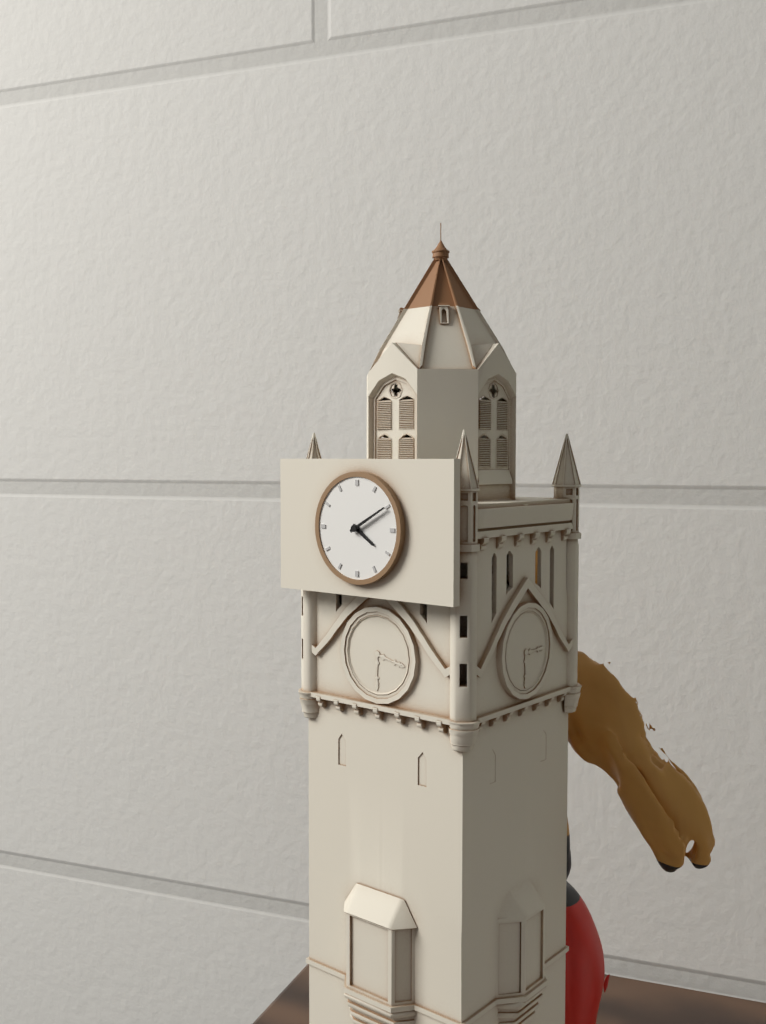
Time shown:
**4:10**
